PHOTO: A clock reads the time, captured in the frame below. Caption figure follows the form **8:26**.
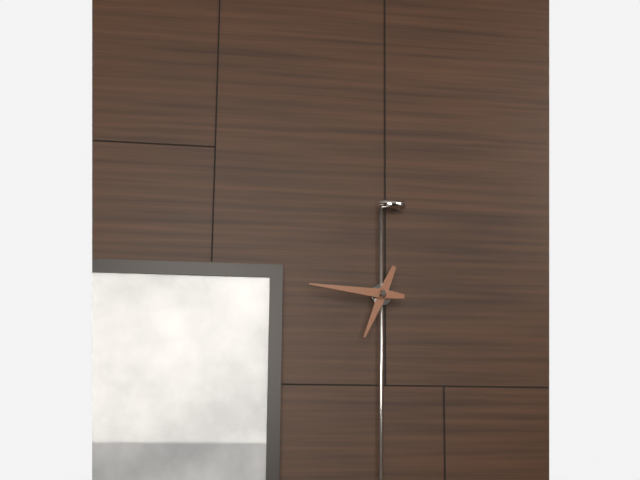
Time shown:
**6:46**
